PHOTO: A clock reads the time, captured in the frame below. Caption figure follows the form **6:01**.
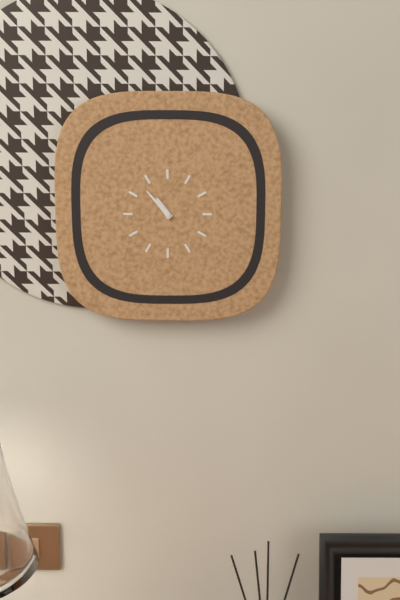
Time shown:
**10:53**
